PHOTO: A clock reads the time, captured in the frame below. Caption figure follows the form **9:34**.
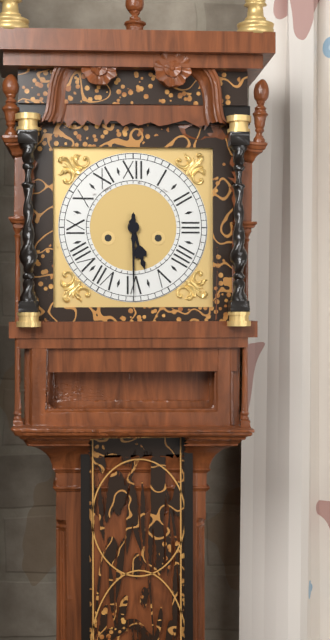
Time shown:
**5:30**
